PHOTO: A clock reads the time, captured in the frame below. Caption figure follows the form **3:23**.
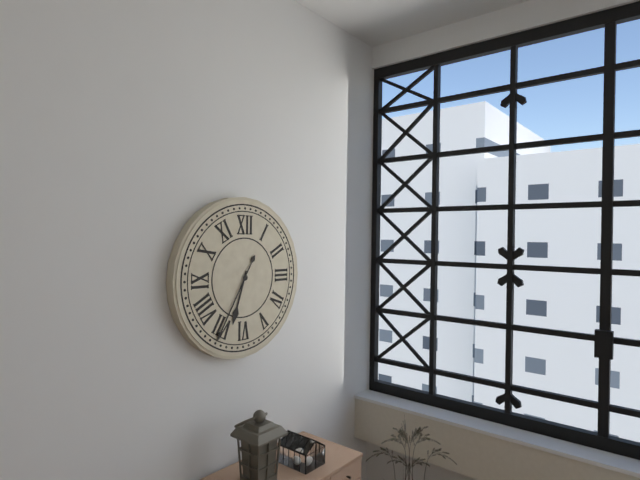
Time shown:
**6:35**
